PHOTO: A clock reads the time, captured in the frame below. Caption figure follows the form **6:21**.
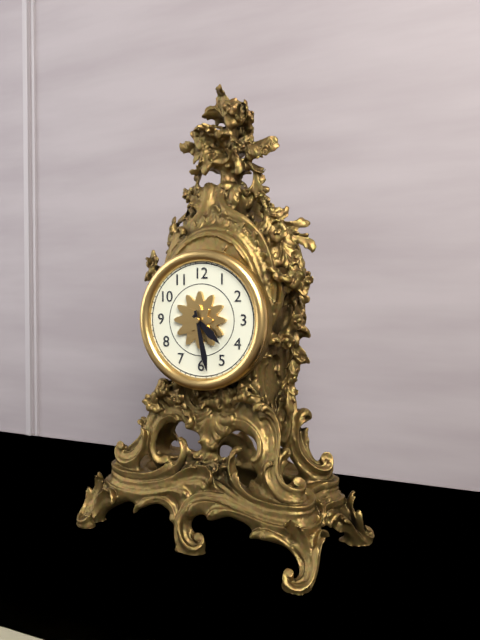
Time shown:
**4:28**
